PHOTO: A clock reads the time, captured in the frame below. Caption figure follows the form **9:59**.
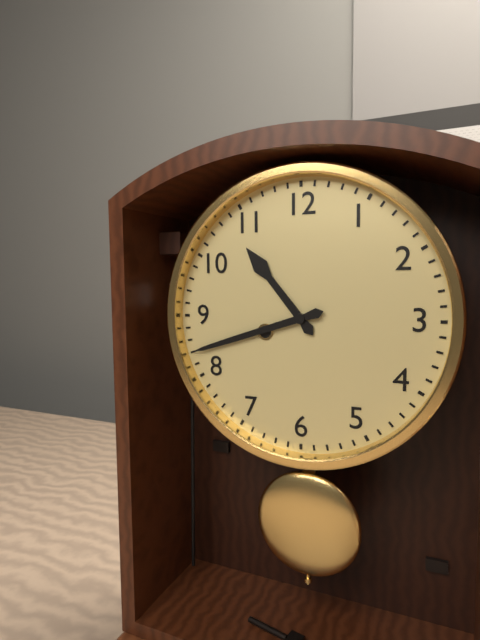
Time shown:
**10:42**
